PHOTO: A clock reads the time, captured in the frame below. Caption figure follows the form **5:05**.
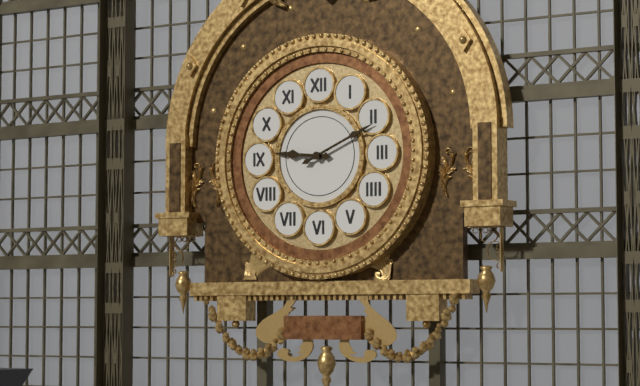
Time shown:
**9:11**
